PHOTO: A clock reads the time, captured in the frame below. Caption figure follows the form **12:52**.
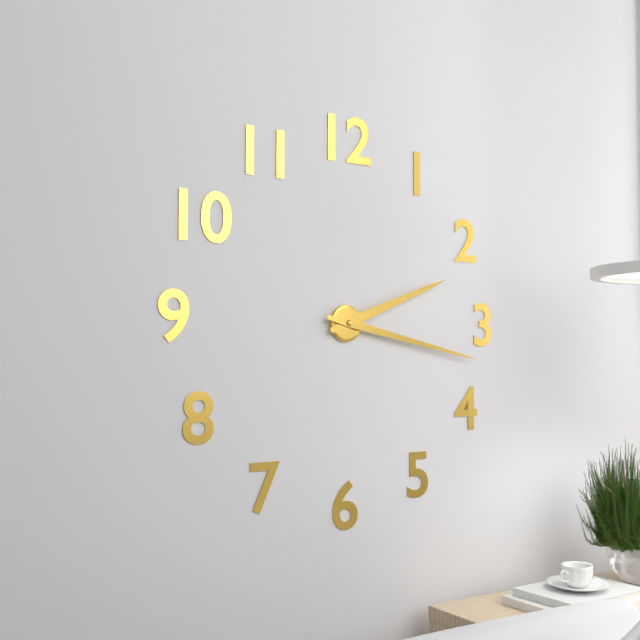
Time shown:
**2:17**
